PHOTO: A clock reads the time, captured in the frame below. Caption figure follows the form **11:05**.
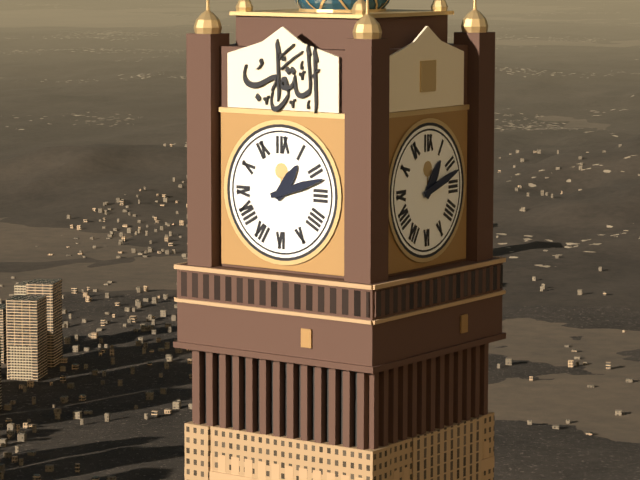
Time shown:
**1:12**
